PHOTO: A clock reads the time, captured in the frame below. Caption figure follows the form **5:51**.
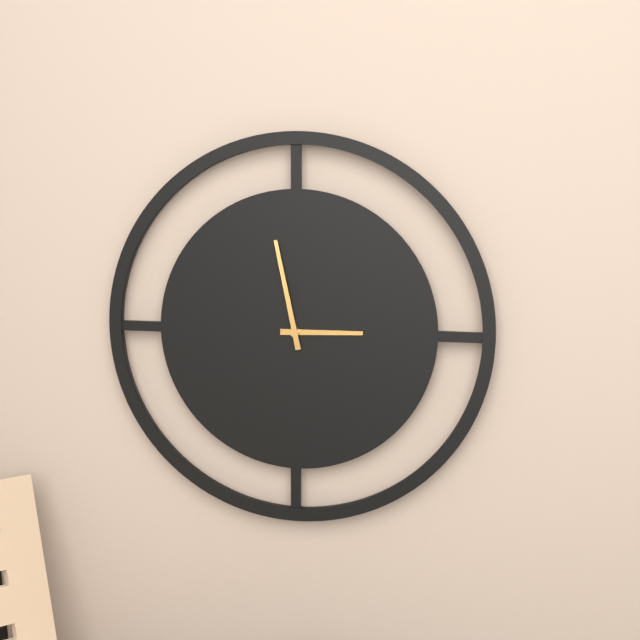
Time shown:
**2:58**
